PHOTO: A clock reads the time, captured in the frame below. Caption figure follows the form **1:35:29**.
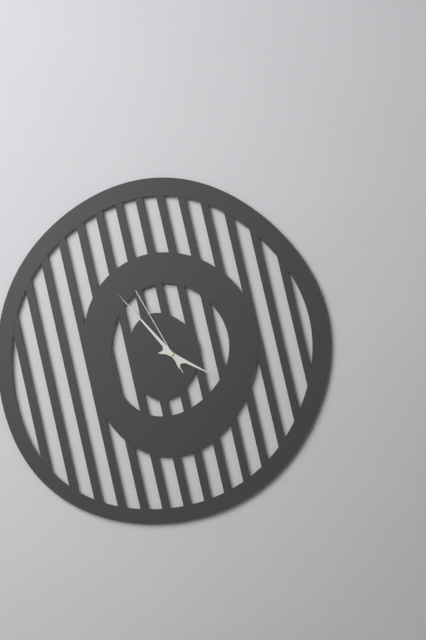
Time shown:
**3:53:55**
